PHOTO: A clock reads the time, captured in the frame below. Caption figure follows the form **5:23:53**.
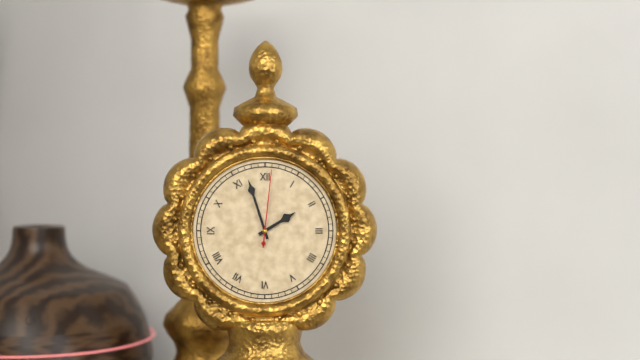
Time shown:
**1:57:01**
